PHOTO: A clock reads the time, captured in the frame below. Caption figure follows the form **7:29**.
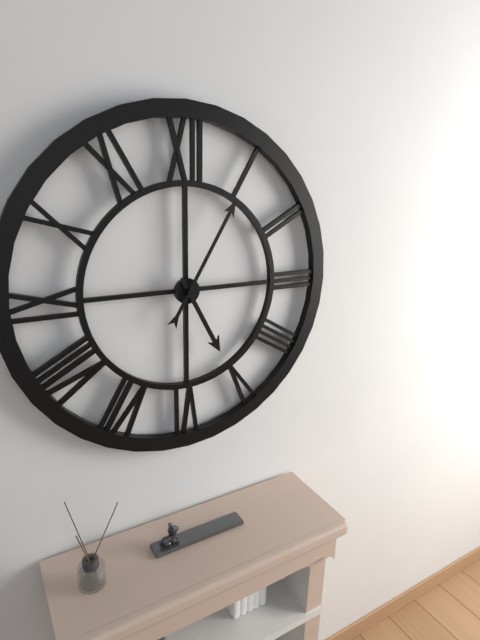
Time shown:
**5:05**
